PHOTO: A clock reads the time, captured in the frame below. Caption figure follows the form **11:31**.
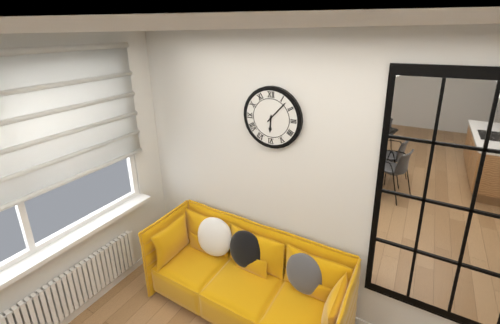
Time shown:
**6:07**
